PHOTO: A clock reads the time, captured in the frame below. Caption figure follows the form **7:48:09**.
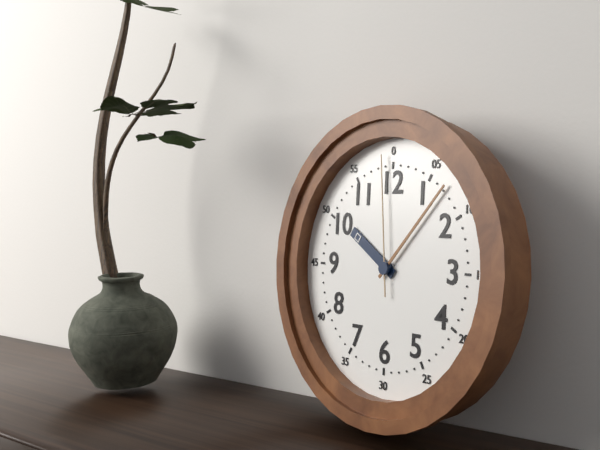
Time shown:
**10:07:59**
